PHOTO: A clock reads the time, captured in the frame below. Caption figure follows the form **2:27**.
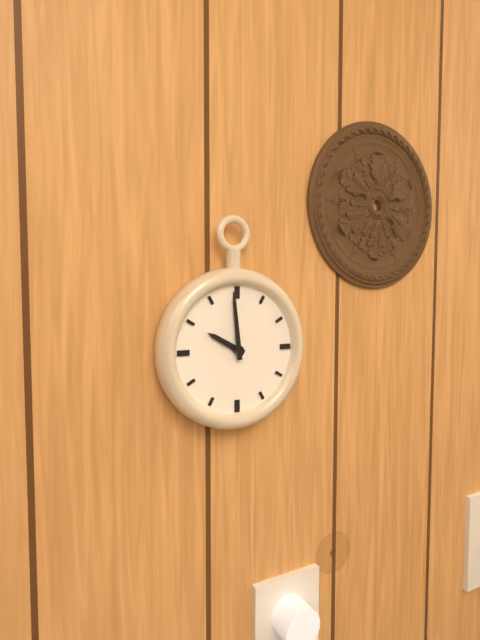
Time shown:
**9:59**
